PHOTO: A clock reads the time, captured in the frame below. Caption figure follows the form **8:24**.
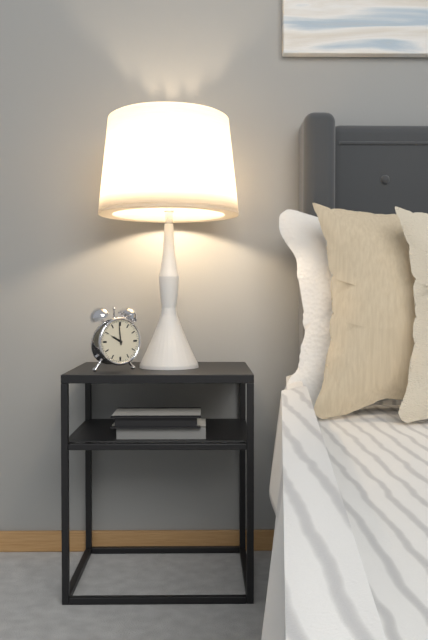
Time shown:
**9:59**
